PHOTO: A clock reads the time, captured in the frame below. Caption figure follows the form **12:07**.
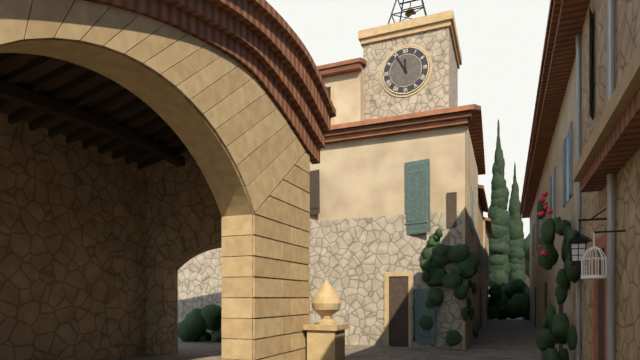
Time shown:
**11:55**
